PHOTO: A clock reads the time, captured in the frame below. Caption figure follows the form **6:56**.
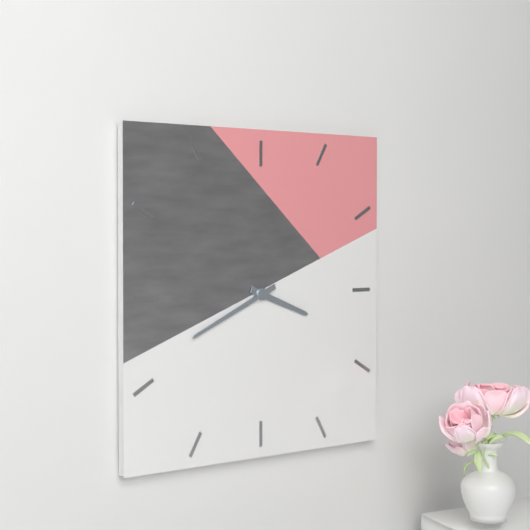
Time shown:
**3:41**
